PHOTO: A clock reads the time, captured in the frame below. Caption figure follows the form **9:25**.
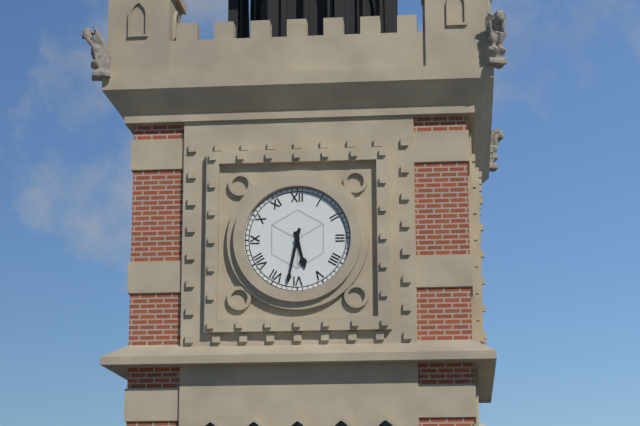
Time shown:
**5:32**
